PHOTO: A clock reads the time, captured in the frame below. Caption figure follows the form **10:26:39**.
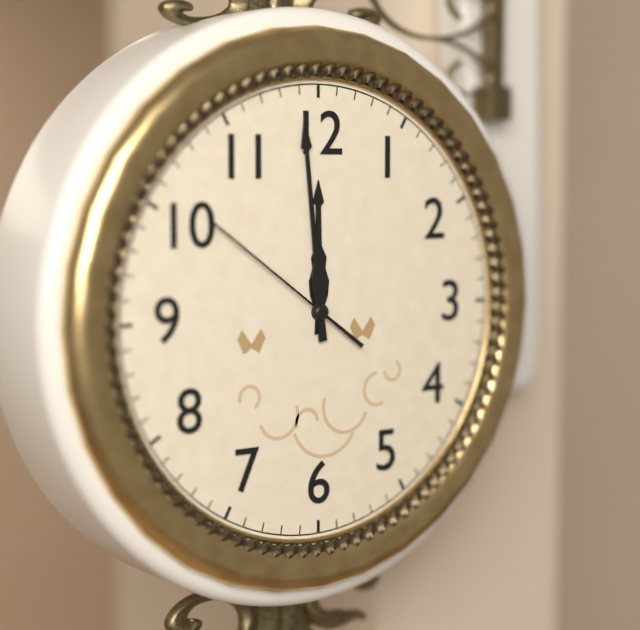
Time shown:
**11:59:51**
